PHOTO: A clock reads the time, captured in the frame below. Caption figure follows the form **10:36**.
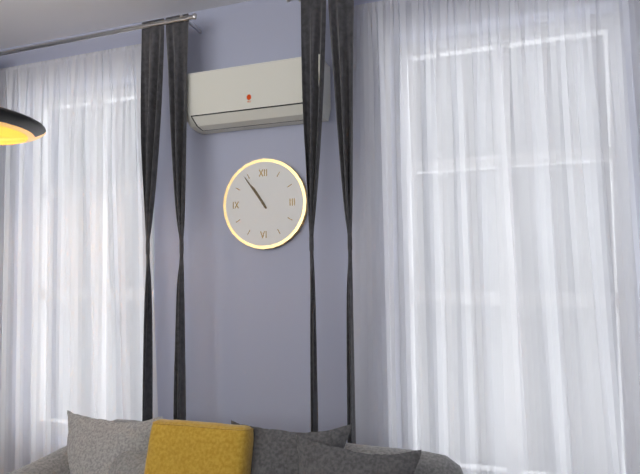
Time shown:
**10:54**
